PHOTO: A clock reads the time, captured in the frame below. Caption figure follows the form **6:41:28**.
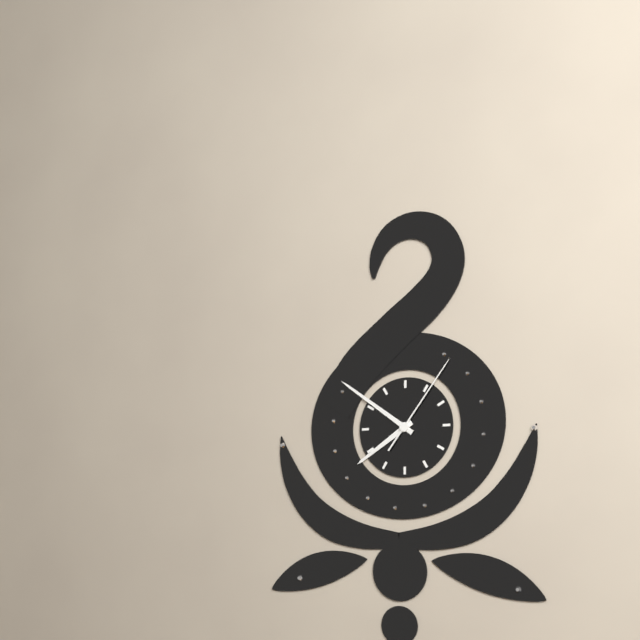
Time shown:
**7:51:06**
